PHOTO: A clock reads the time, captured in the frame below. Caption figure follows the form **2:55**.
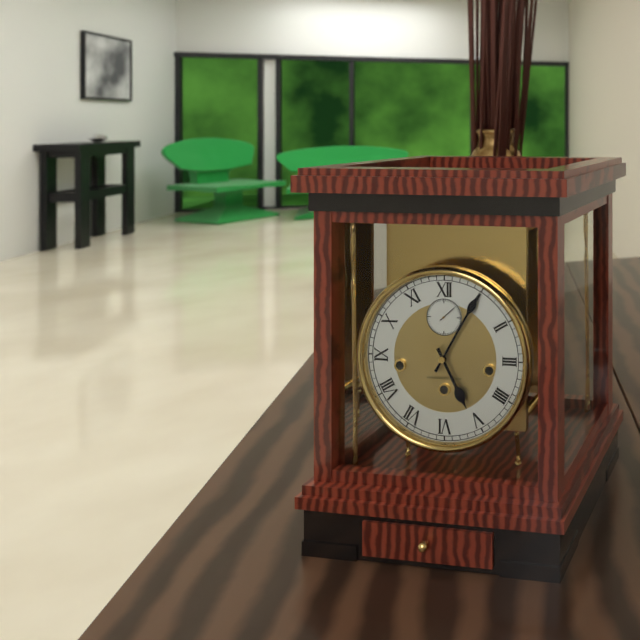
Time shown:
**5:05**
